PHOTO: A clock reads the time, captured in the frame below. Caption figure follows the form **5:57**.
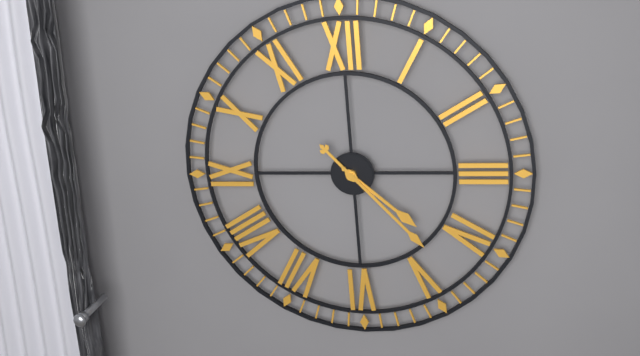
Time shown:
**4:23**
